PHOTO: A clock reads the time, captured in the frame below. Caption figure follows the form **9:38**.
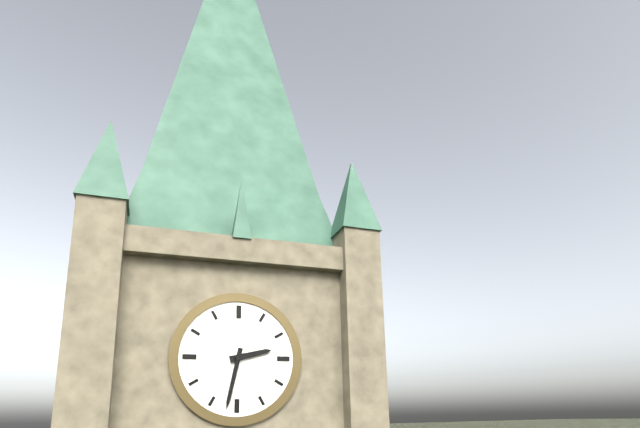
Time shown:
**2:32**
